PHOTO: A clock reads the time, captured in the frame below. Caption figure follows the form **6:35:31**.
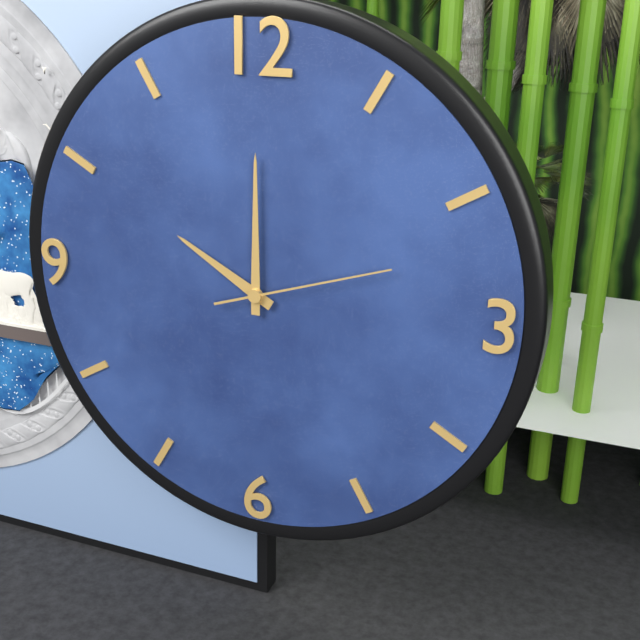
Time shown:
**10:00:12**
